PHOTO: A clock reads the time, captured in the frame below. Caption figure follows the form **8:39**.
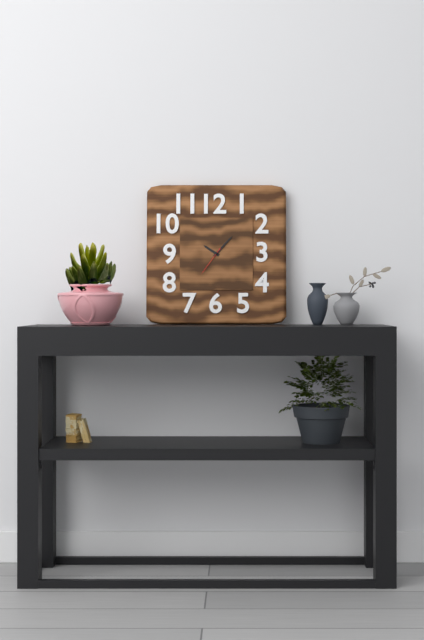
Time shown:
**10:07**
